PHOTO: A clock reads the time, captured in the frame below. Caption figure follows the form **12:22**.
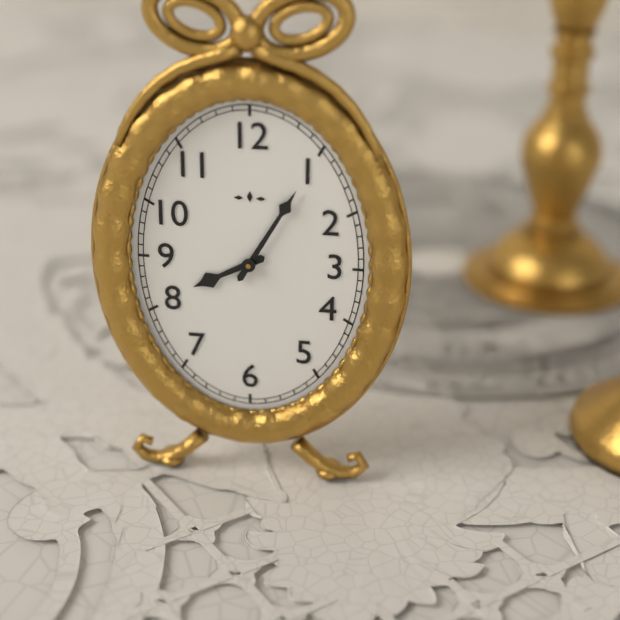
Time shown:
**8:05**
